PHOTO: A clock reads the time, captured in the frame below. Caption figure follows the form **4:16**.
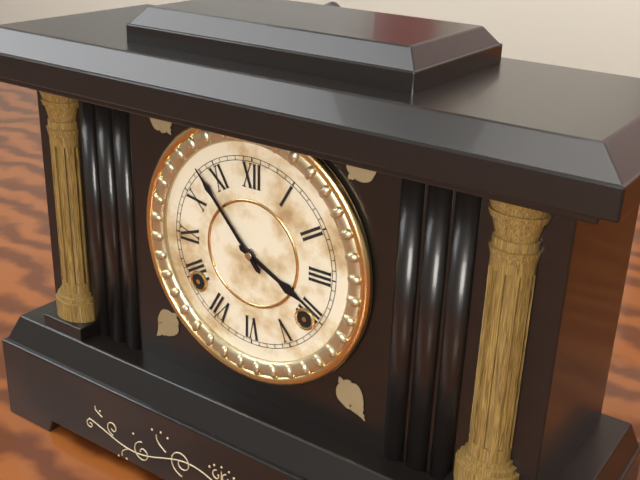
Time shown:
**3:53**
